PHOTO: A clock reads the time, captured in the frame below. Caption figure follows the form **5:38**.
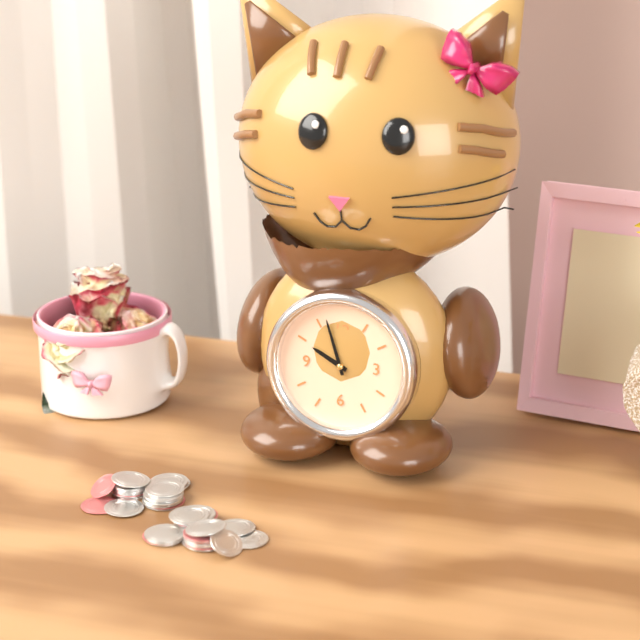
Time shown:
**9:57**
